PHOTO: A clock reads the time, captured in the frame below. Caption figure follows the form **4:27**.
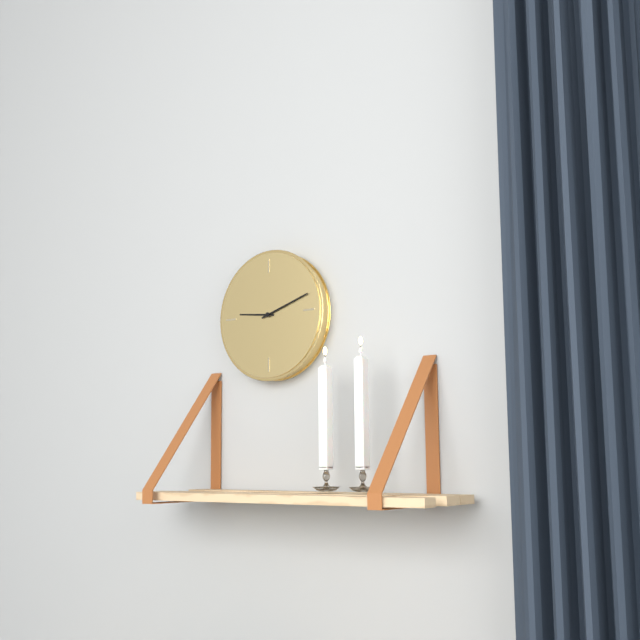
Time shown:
**9:12**
